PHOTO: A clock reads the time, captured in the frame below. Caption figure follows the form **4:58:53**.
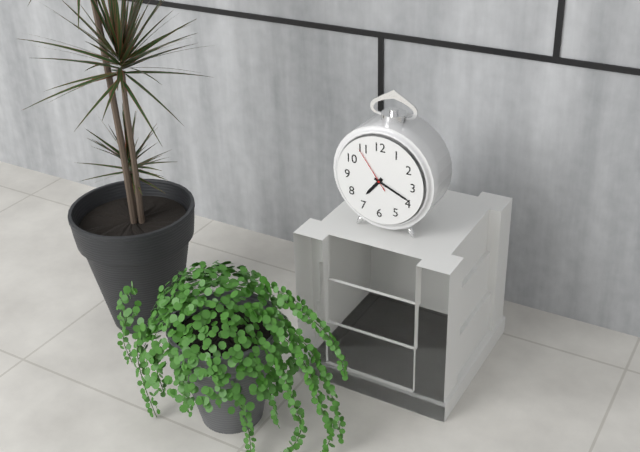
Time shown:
**7:19:54**
